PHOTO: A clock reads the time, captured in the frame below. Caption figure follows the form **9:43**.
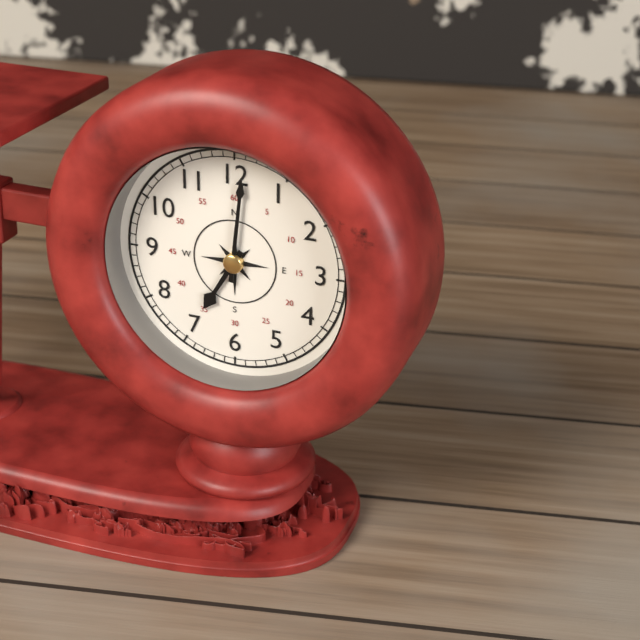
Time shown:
**7:01**
